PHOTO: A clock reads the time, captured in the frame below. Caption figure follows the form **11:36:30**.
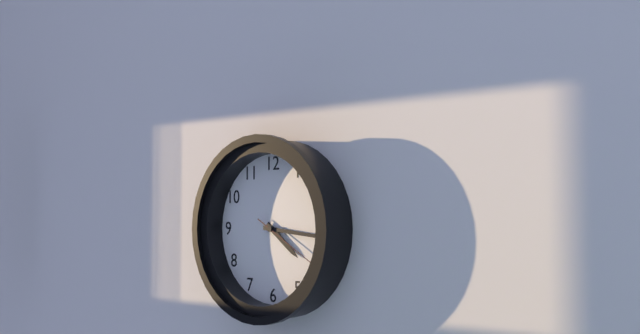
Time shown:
**4:16:20**
